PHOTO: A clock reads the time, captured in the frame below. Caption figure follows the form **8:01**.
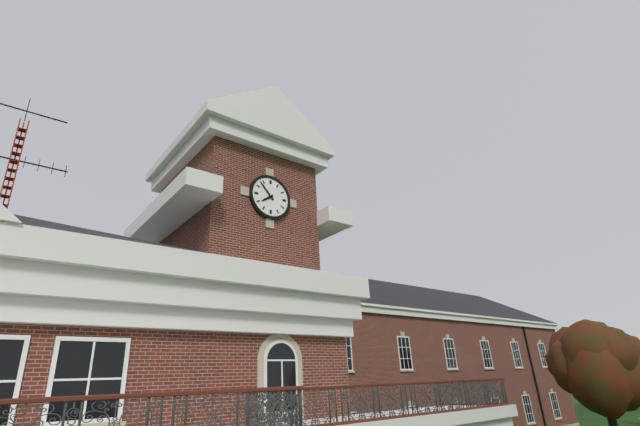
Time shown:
**7:53**
